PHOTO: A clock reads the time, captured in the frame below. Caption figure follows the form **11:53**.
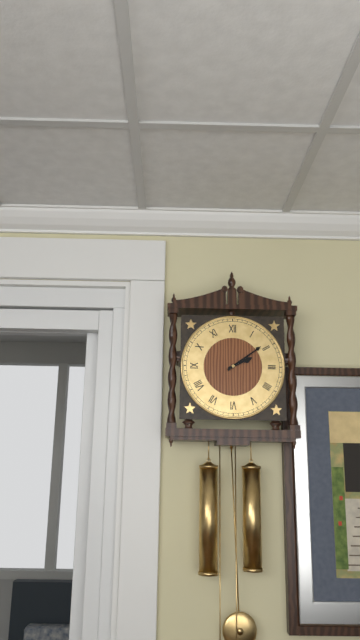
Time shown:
**2:09**
